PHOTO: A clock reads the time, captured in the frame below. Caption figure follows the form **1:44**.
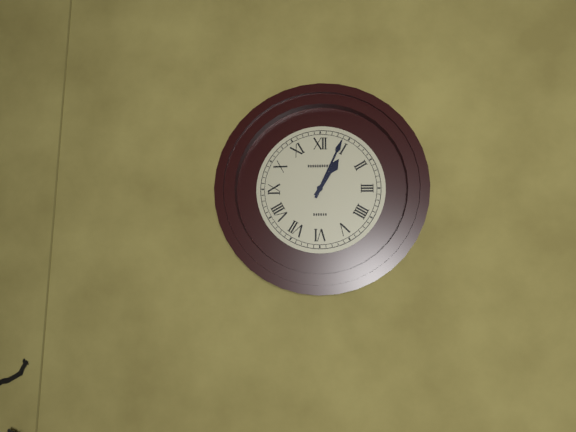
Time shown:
**1:04**
